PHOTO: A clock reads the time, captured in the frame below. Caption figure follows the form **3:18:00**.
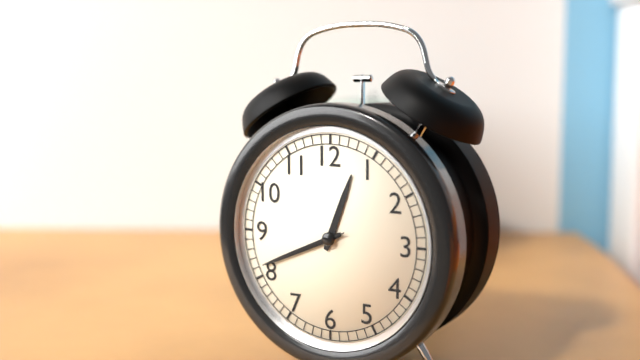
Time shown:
**12:41:41**
